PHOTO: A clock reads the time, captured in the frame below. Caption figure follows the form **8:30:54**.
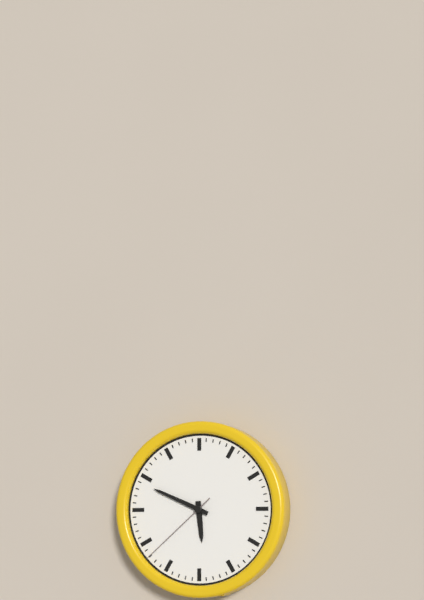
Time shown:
**5:49:38**
